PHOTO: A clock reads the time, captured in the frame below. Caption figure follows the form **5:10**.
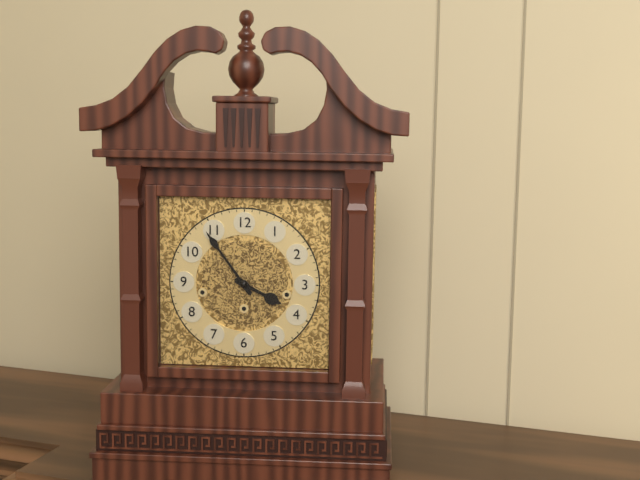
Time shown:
**3:54**
